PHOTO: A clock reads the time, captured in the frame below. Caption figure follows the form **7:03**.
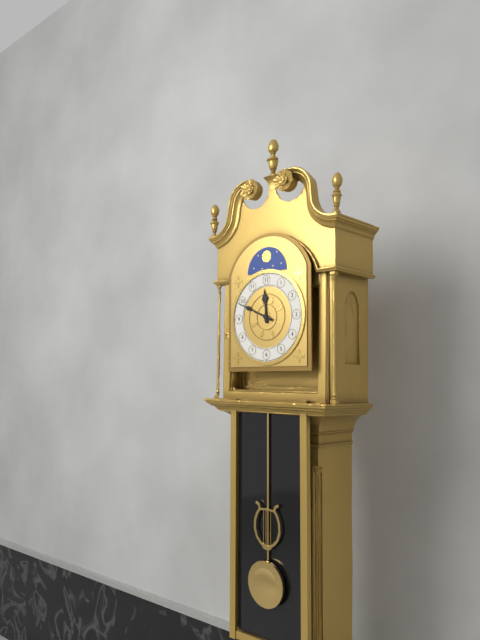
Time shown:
**11:49**
